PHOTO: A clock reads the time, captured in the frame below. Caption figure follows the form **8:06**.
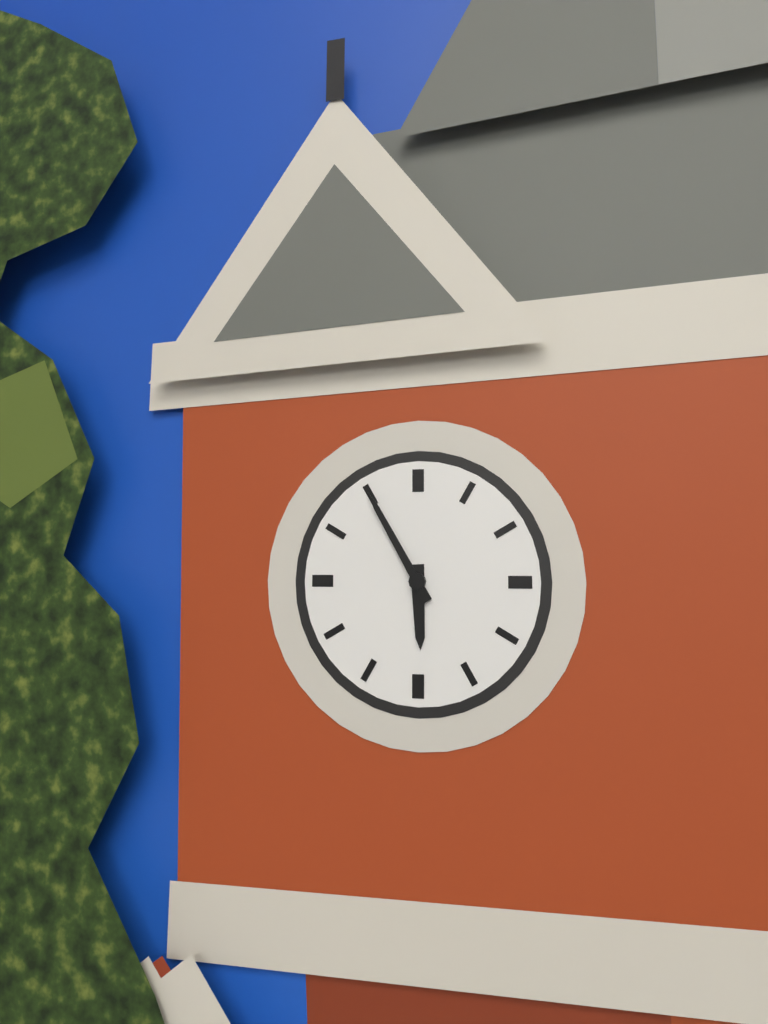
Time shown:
**5:55**
